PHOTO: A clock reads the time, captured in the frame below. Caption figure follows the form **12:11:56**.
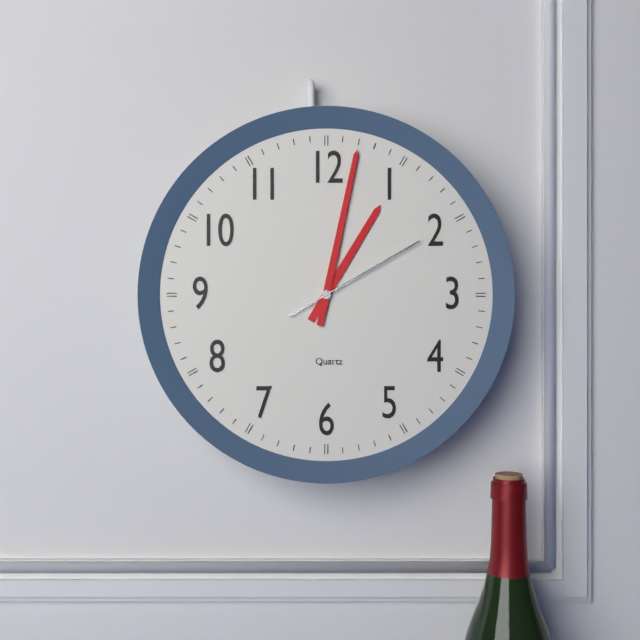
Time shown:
**1:02:10**
